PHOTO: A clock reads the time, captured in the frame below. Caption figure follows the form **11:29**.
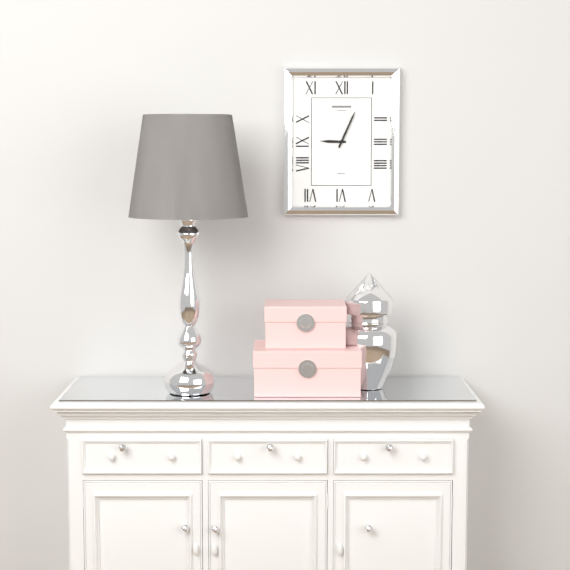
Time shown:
**9:04**
